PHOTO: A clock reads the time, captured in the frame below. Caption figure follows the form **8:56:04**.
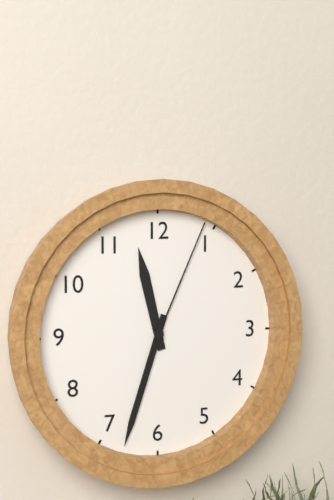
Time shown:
**11:33:04**
